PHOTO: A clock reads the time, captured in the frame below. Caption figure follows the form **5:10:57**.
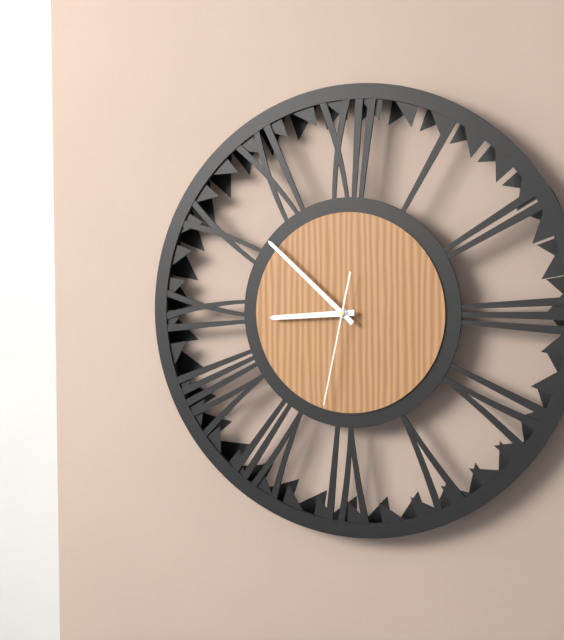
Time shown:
**8:52:32**
